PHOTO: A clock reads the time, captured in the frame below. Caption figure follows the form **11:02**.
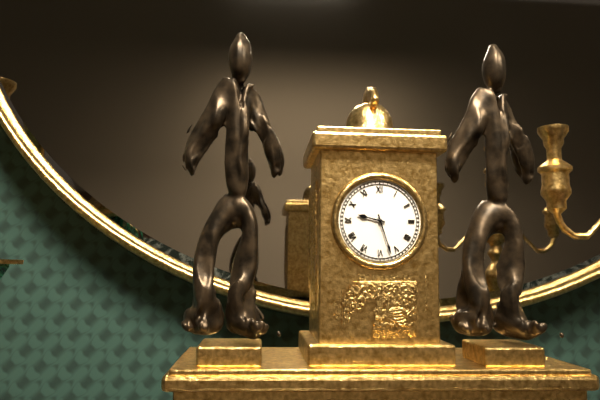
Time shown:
**9:27**
